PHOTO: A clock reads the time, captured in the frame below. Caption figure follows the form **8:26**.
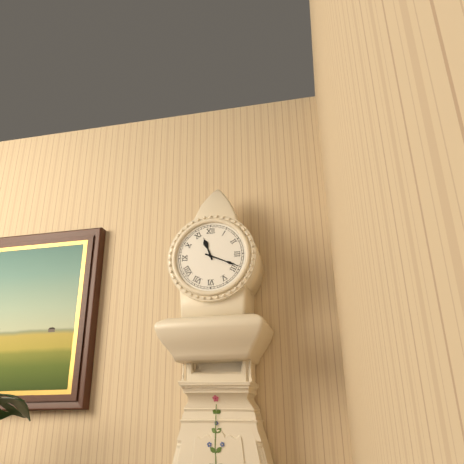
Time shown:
**11:19**
